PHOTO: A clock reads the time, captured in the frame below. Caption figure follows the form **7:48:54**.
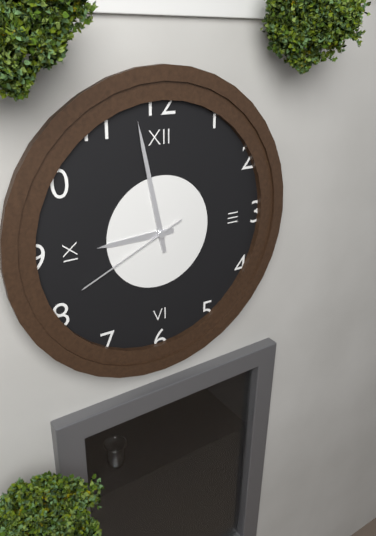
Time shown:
**8:58:41**
